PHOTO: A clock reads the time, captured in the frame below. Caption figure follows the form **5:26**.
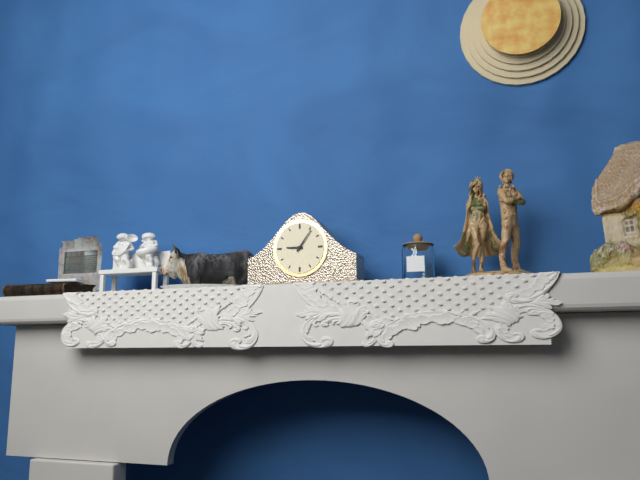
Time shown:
**9:06**
